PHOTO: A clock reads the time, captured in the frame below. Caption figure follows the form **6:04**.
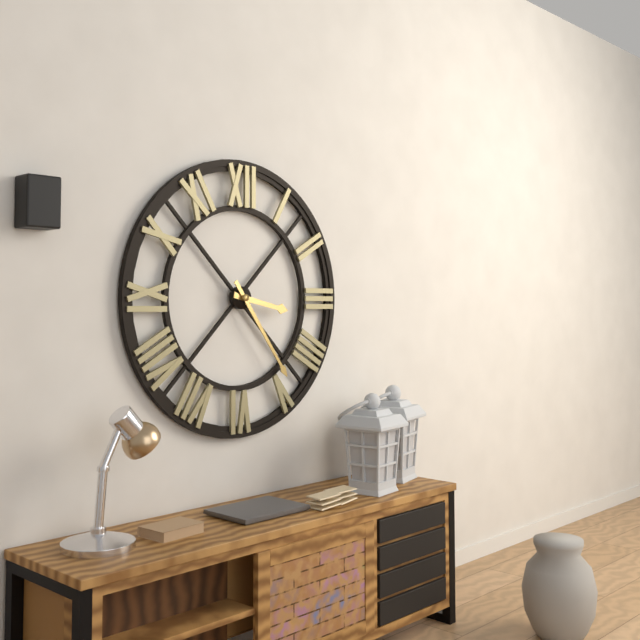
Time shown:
**3:24**
